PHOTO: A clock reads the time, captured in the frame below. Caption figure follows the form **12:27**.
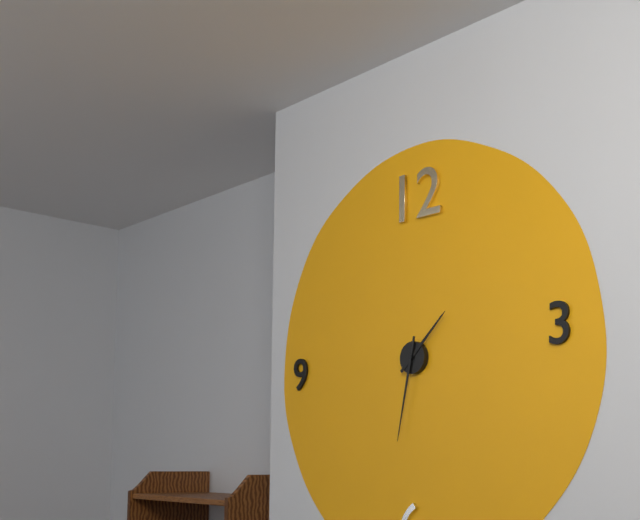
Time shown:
**1:32**
